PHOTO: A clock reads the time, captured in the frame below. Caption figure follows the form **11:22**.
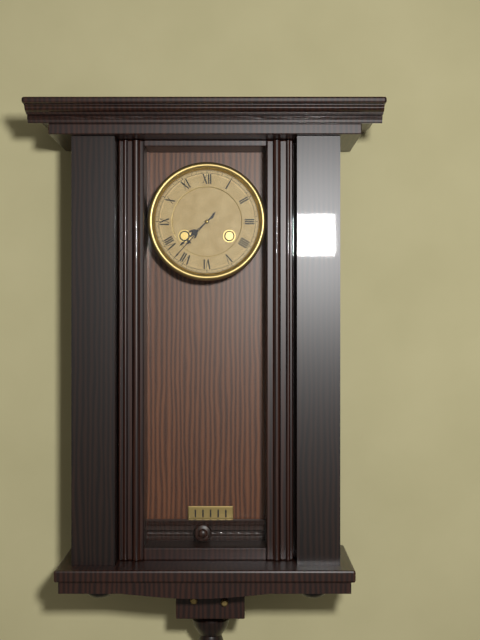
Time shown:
**7:37**
